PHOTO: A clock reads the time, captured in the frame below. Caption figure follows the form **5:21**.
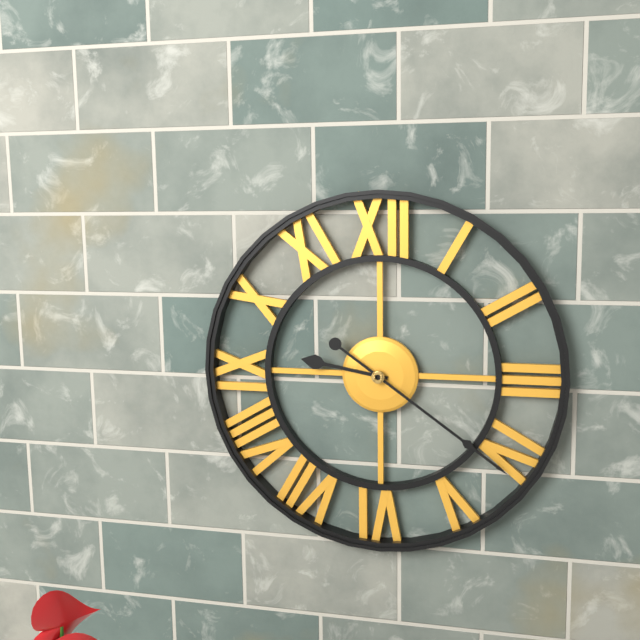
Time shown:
**9:21**
